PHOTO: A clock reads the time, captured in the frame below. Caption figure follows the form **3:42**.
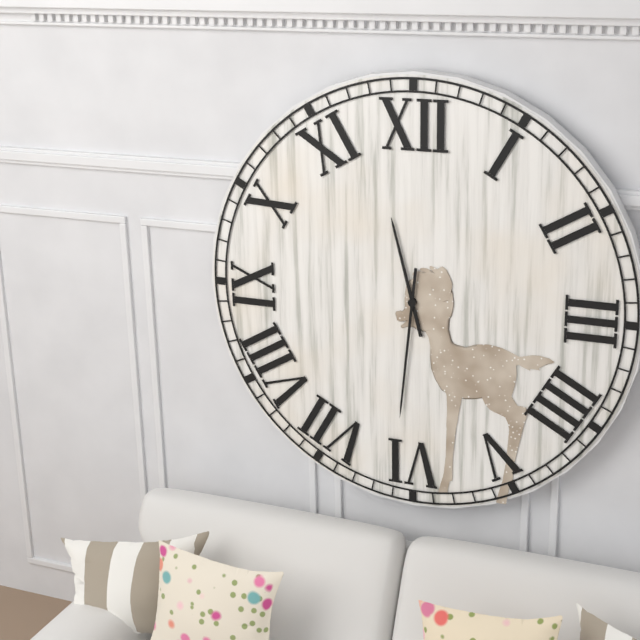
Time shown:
**11:31**
